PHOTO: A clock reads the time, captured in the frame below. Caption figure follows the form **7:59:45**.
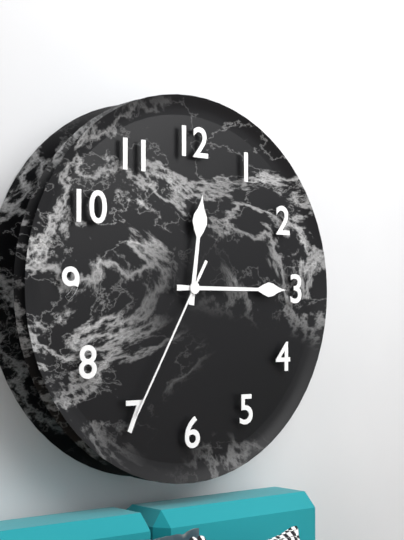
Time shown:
**12:15:35**
